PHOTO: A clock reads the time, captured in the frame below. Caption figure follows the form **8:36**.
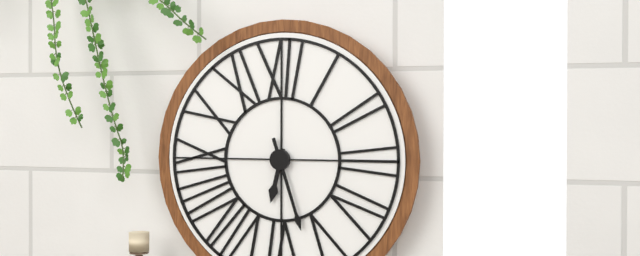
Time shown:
**6:27**
